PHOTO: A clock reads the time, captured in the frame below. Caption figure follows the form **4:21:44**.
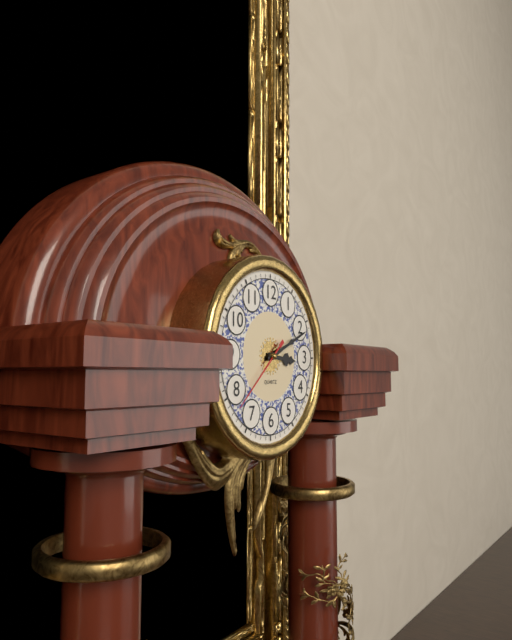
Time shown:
**3:11:38**
